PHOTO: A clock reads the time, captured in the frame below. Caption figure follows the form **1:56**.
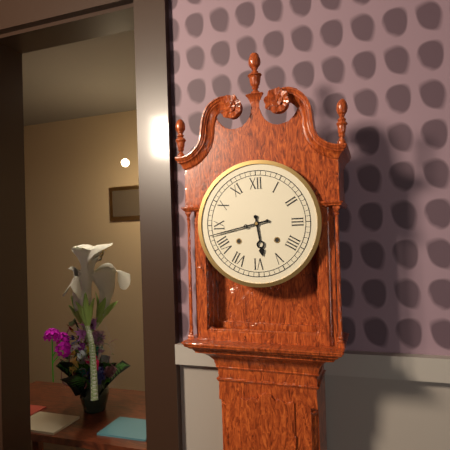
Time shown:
**5:43**
